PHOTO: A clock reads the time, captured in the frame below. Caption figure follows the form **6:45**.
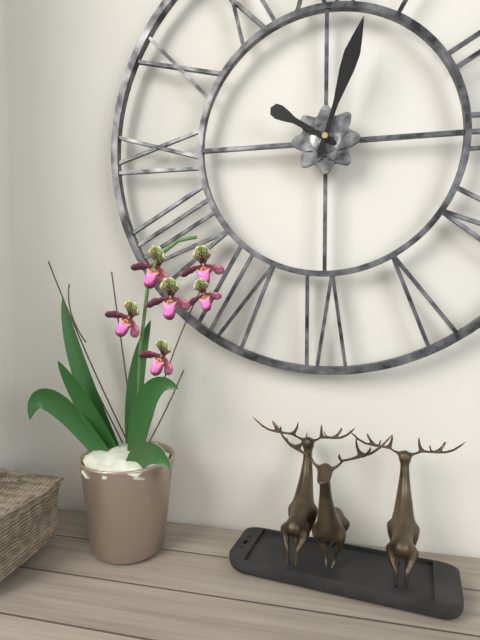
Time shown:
**10:03**
